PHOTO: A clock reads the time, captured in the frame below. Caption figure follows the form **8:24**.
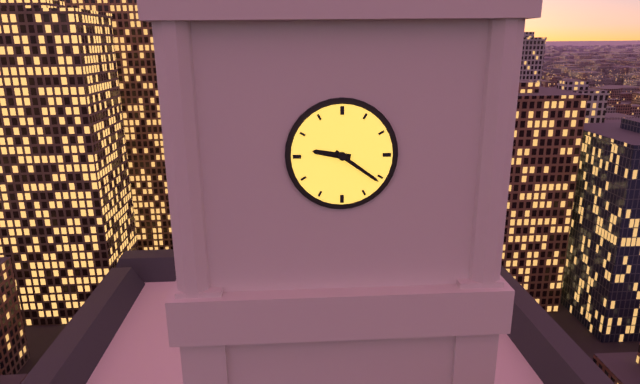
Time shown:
**9:21**
